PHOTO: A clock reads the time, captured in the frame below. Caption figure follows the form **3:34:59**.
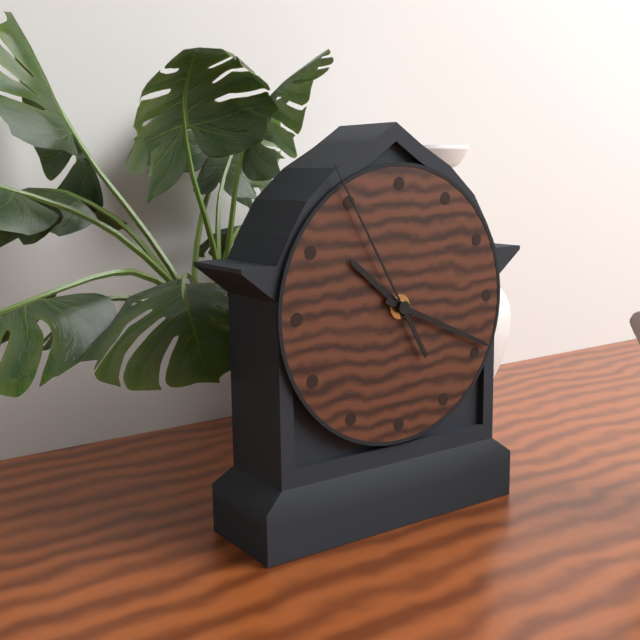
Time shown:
**10:19:55**
